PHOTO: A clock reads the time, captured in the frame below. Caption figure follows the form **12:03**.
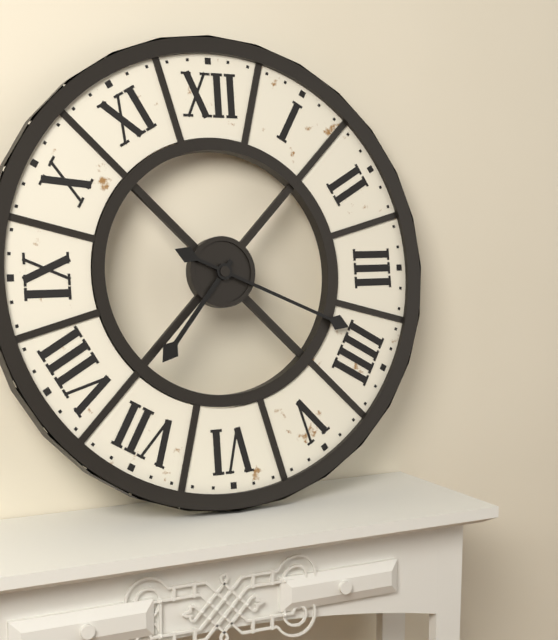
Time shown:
**7:19**
